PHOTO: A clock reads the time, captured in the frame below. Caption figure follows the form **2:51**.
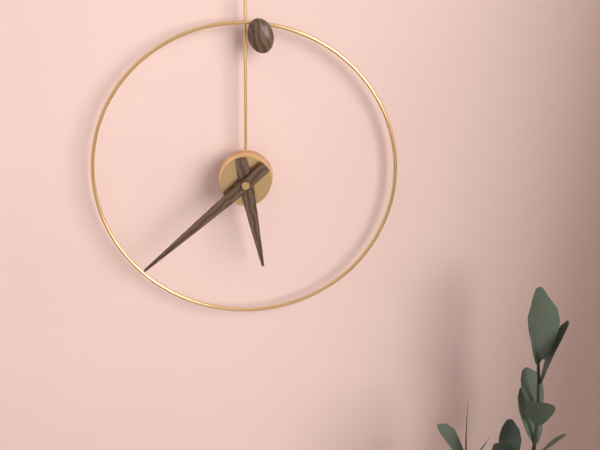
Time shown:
**5:38**
